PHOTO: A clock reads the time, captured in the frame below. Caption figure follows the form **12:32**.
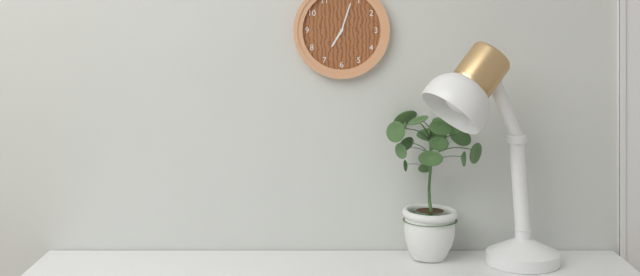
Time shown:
**7:03**
